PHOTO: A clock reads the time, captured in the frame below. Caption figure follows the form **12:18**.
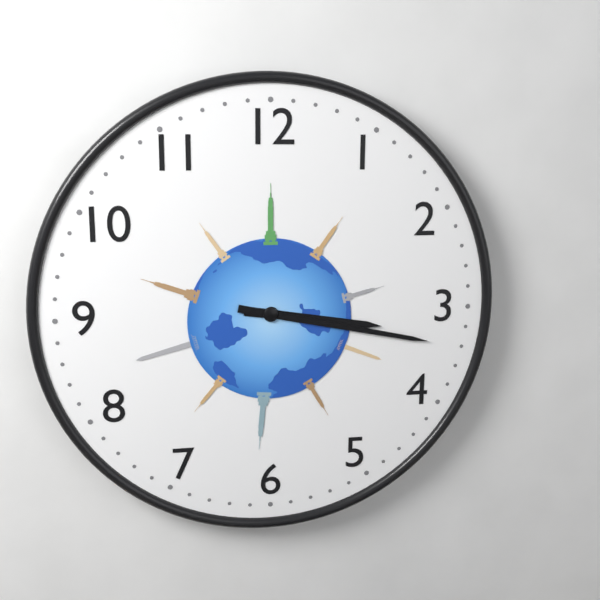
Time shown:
**3:17**
